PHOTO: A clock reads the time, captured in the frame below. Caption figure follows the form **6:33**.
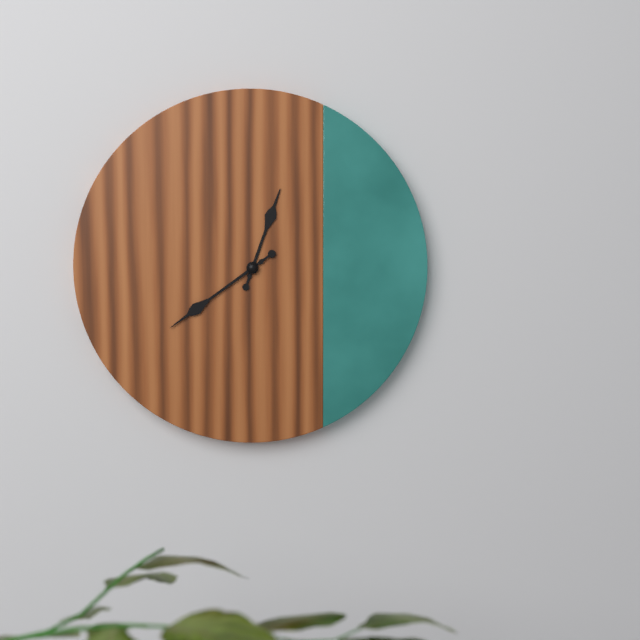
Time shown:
**12:39**
